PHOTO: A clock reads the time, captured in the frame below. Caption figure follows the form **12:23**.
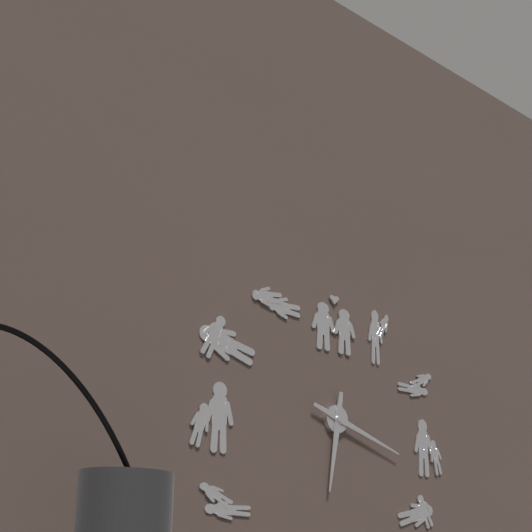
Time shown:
**6:18**
